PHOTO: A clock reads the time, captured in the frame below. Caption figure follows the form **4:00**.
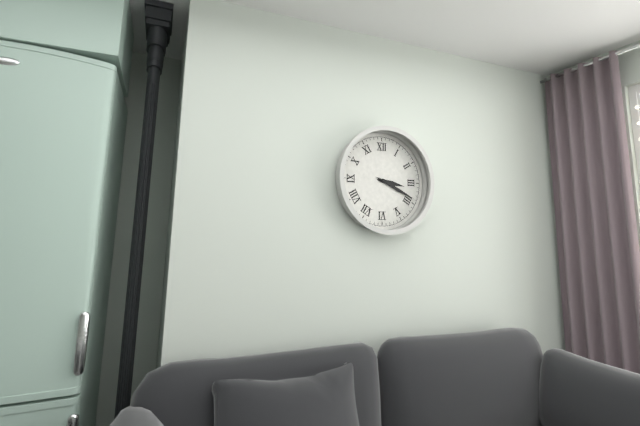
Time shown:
**3:19**
